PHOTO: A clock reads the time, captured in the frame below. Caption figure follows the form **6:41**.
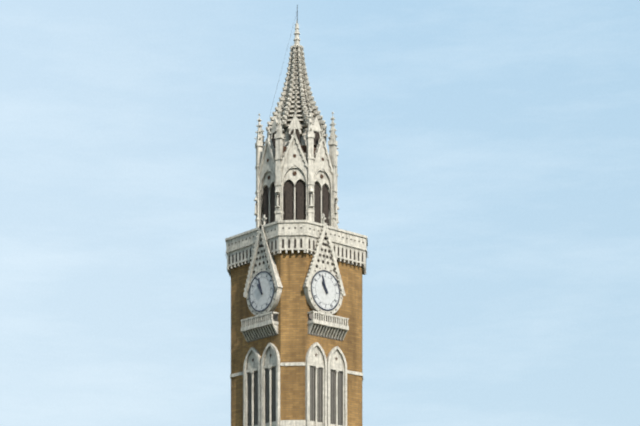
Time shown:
**10:57**
